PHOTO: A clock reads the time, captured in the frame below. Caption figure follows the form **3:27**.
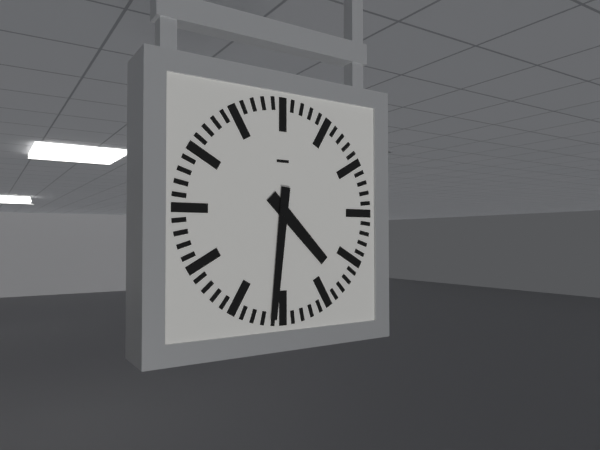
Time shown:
**4:31**
